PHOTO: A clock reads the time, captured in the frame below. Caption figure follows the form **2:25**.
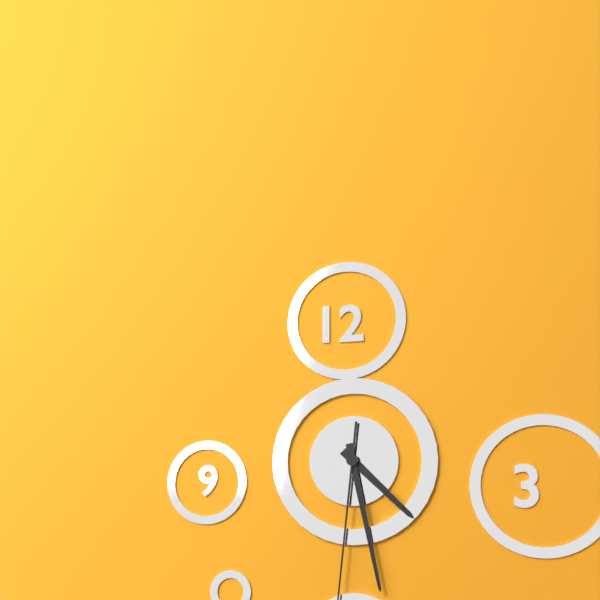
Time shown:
**4:28**
